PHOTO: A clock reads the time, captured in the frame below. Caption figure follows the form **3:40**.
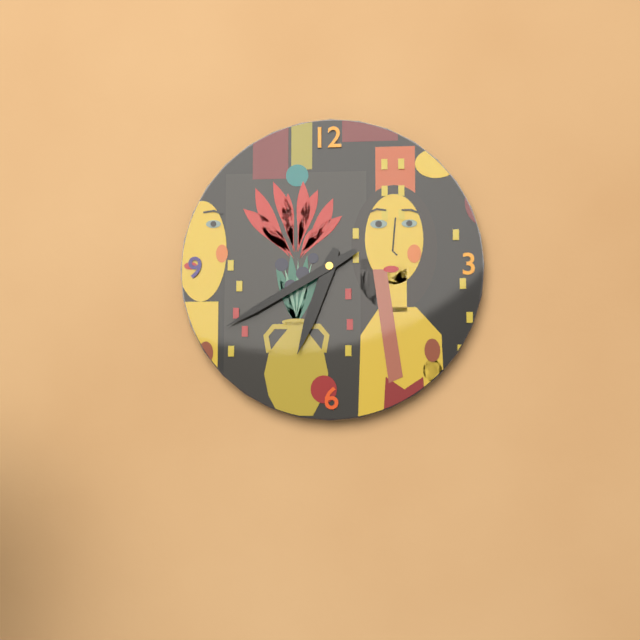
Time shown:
**6:40**
